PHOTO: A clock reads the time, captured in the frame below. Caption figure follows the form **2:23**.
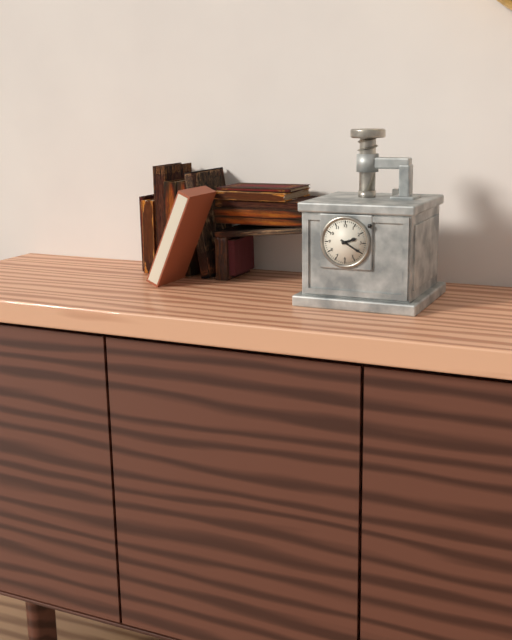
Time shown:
**2:20**
